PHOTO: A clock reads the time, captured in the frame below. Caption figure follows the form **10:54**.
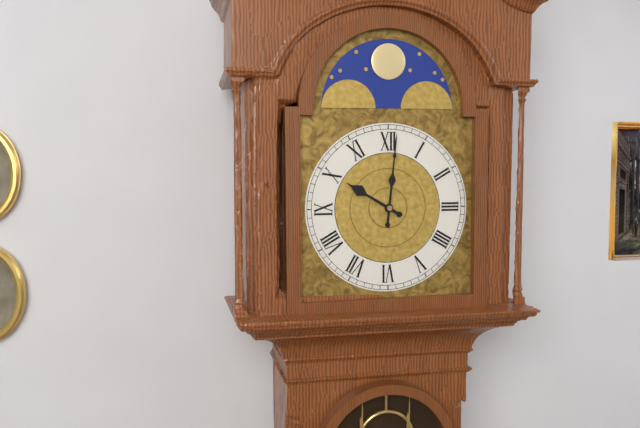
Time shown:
**10:01**
